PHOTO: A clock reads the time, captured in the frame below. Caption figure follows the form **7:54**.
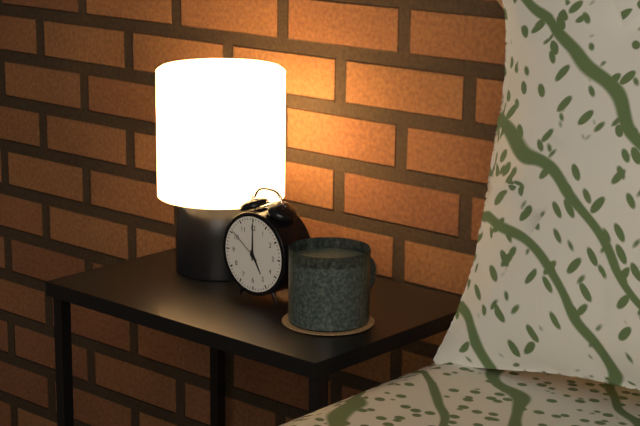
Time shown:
**5:00**
